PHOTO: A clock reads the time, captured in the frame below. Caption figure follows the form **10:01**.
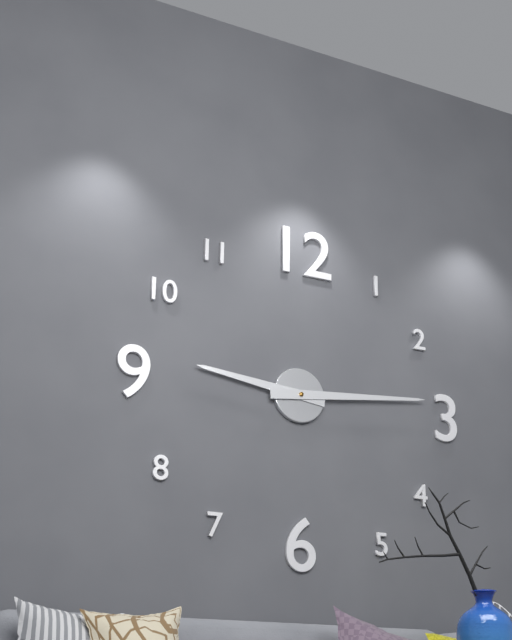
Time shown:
**9:14**
